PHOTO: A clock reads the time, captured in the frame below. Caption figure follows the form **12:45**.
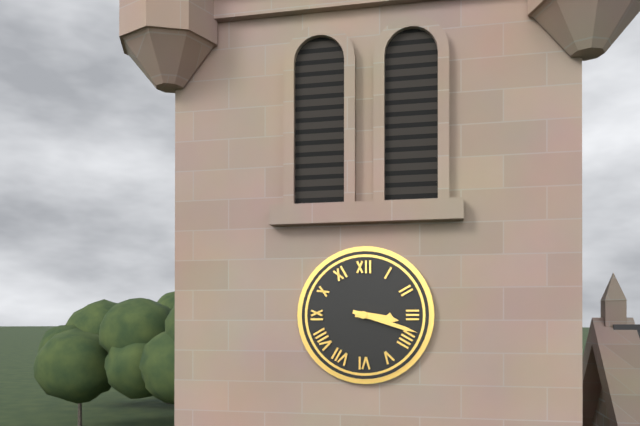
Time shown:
**3:18**
